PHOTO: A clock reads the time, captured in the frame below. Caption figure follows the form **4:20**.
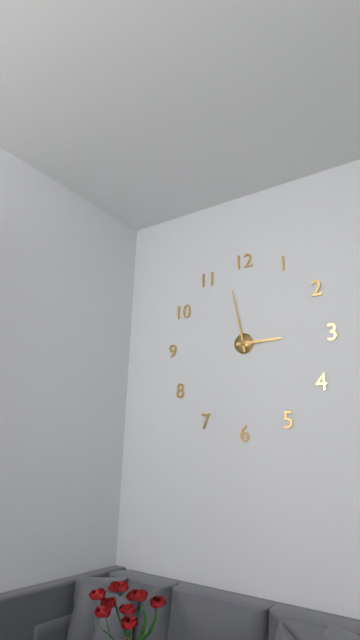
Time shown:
**2:58**
